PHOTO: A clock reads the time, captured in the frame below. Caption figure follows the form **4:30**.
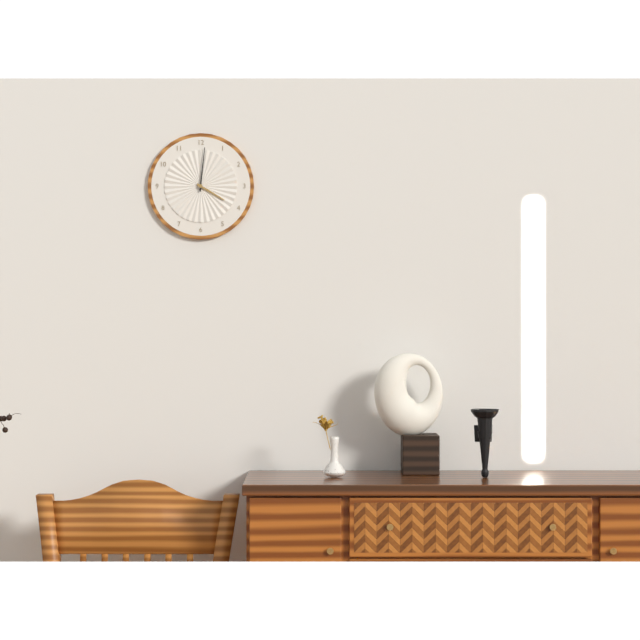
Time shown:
**4:01**
